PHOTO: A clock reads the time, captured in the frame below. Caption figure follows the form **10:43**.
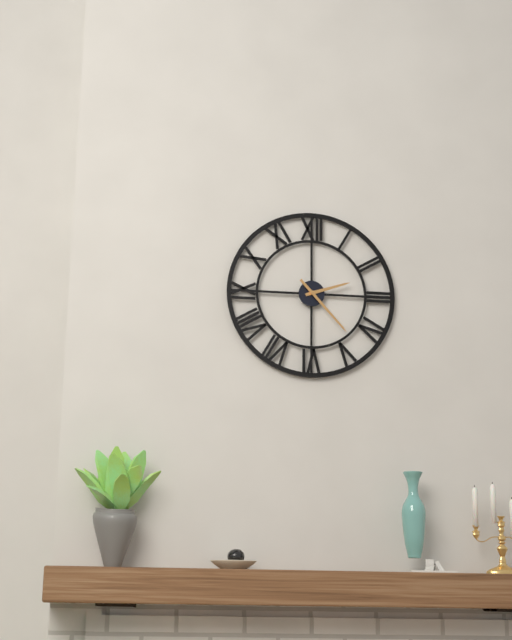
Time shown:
**2:23**
